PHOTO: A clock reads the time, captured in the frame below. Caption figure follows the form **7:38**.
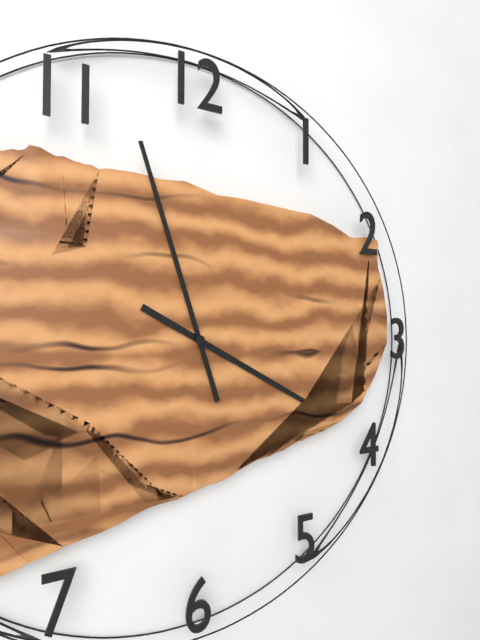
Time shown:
**3:57**
